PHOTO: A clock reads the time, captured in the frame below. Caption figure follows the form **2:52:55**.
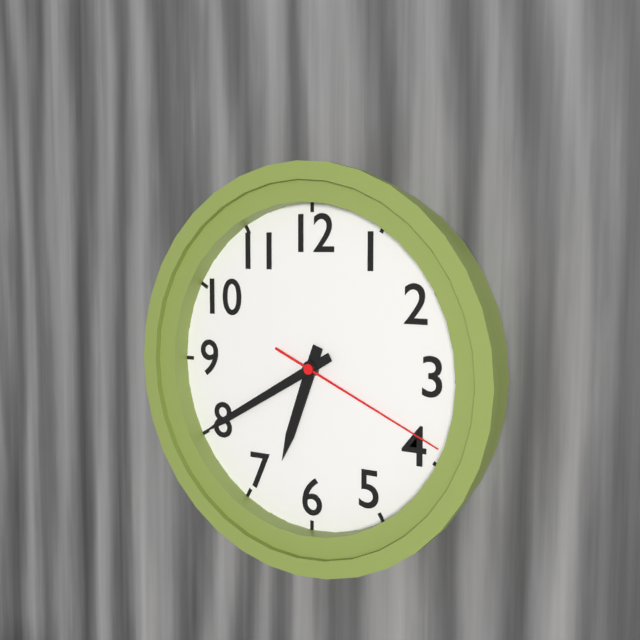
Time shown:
**6:40:19**
